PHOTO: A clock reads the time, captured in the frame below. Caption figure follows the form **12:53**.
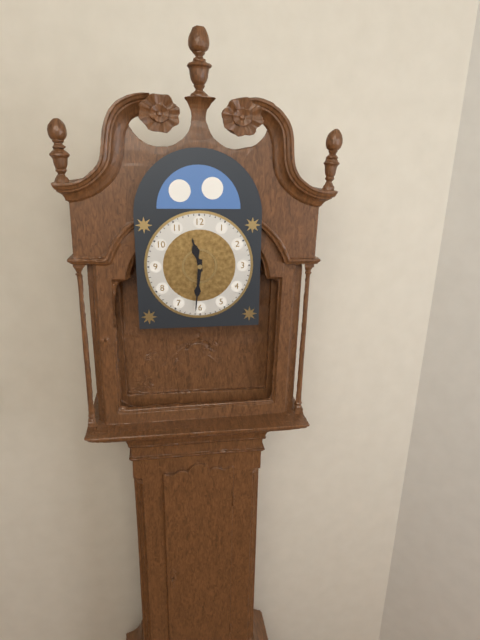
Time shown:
**11:31**
